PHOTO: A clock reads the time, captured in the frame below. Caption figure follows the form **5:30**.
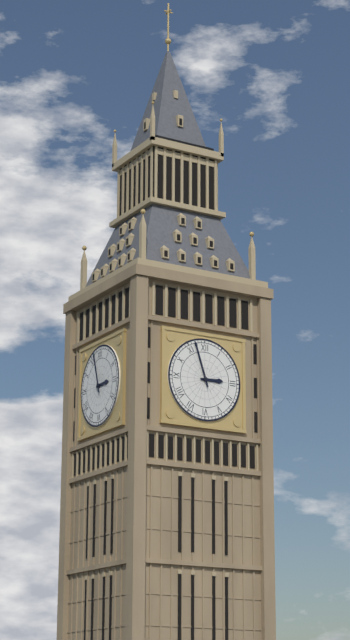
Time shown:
**2:57**
